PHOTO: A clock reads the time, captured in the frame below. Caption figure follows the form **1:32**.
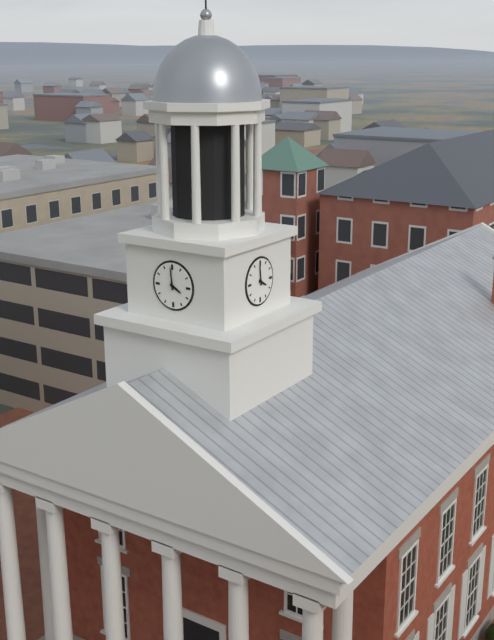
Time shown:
**3:59**
